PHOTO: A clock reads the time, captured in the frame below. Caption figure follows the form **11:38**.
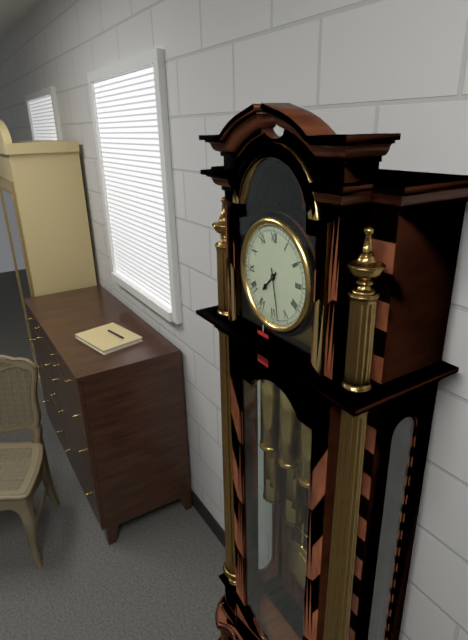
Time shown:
**7:28**
